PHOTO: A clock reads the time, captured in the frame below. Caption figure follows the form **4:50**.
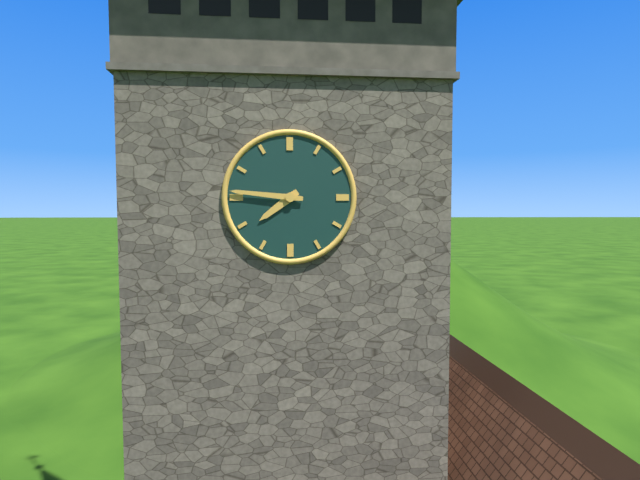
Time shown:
**7:46**
